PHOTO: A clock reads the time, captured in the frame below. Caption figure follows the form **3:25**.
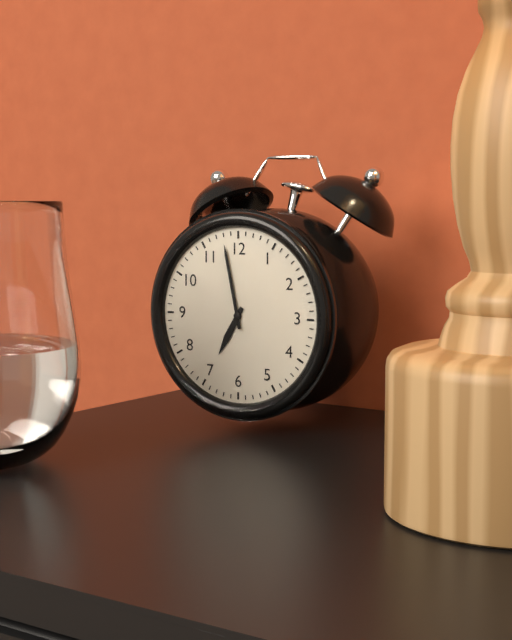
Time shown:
**6:58**
